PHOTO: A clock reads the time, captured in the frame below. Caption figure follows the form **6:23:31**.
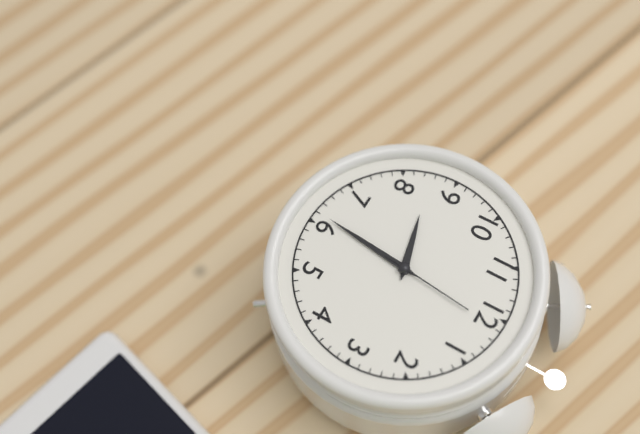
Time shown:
**8:31:01**
